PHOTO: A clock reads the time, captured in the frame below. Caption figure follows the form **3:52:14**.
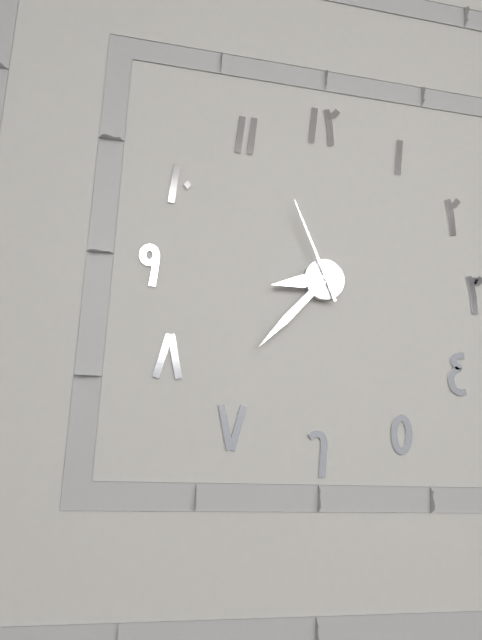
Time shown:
**8:37:56**
